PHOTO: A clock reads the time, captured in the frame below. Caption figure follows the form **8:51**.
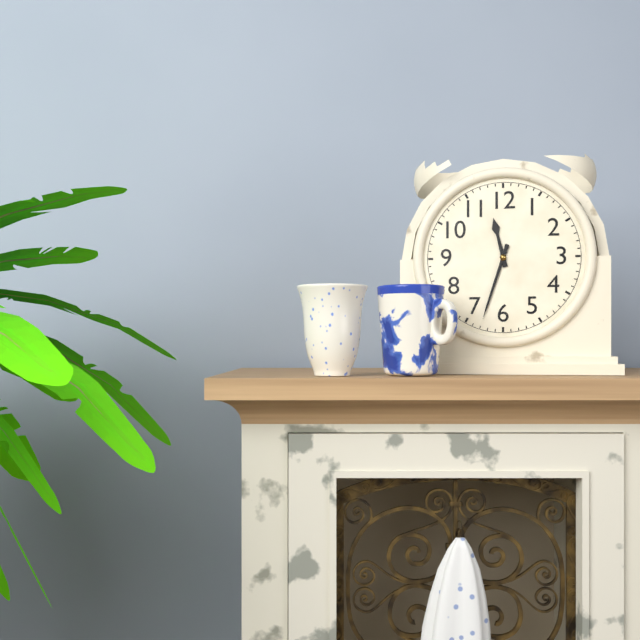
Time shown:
**11:33**
